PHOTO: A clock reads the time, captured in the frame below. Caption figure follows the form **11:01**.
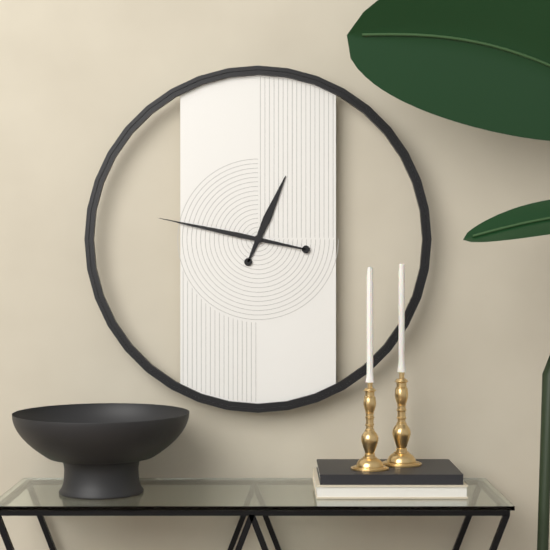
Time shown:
**12:47**
